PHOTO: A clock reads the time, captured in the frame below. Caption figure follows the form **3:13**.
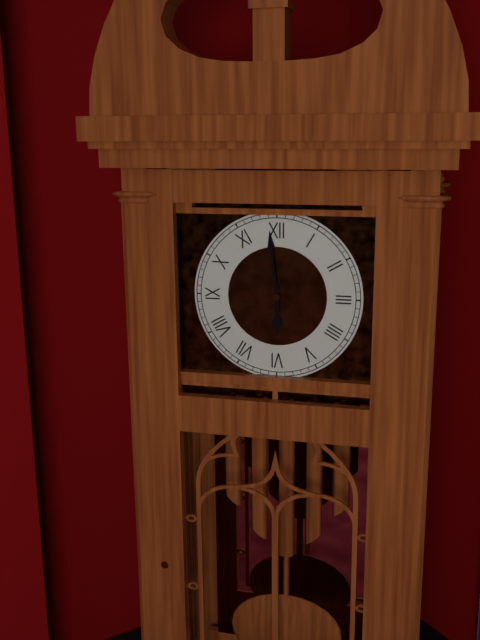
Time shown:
**5:59**
